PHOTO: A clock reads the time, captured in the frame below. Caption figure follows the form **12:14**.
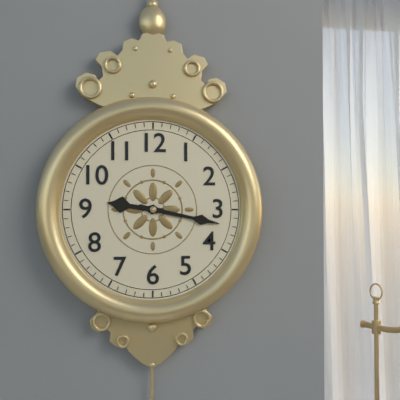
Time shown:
**9:17**
